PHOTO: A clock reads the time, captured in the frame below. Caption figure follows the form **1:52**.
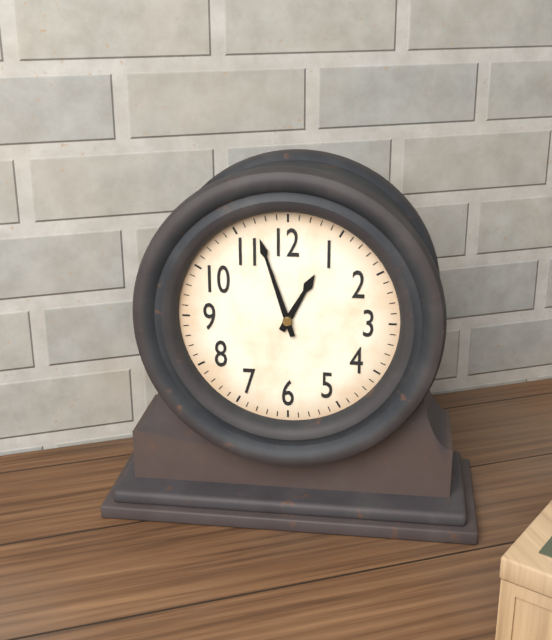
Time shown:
**12:57**
